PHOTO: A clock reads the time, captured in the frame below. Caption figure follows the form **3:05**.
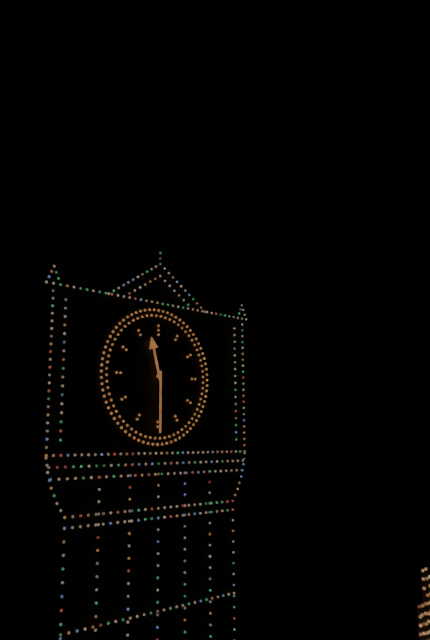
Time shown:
**11:30**
